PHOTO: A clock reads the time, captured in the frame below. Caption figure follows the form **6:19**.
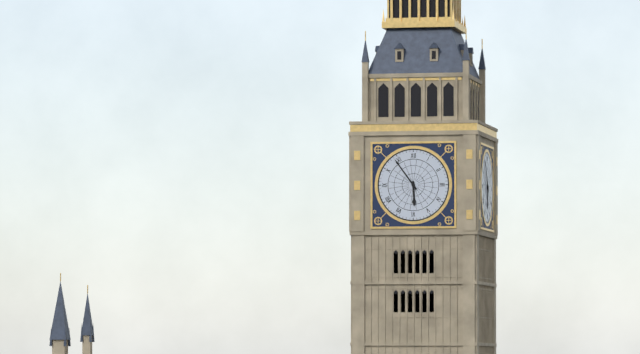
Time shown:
**5:54**
